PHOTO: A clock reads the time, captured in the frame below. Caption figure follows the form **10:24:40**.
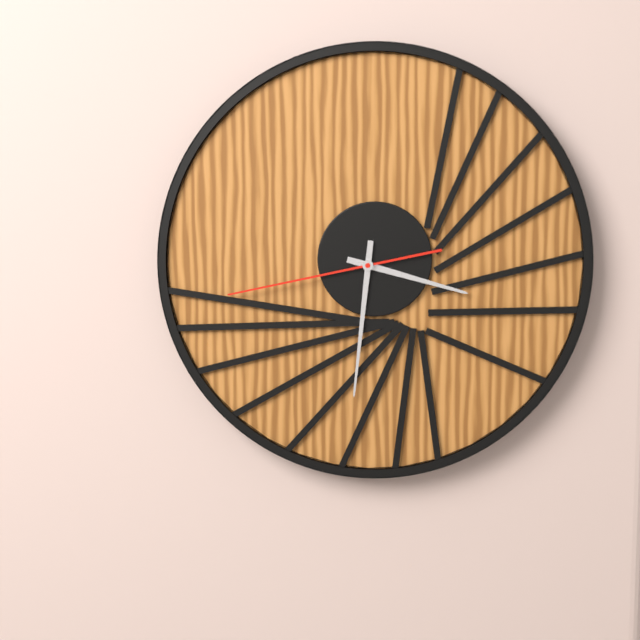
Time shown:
**3:31:43**
